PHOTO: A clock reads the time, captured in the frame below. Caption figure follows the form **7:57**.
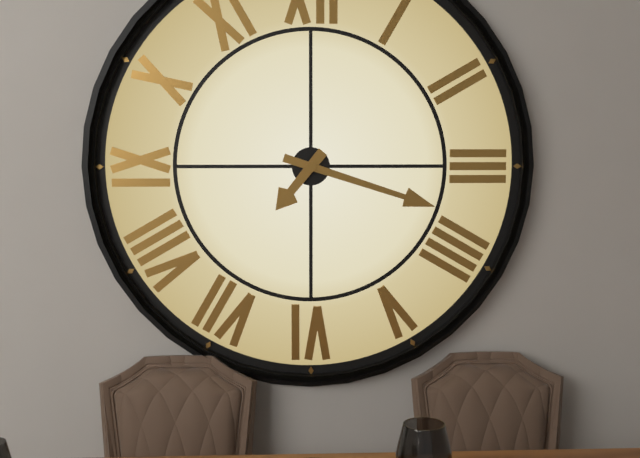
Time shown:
**7:18**
